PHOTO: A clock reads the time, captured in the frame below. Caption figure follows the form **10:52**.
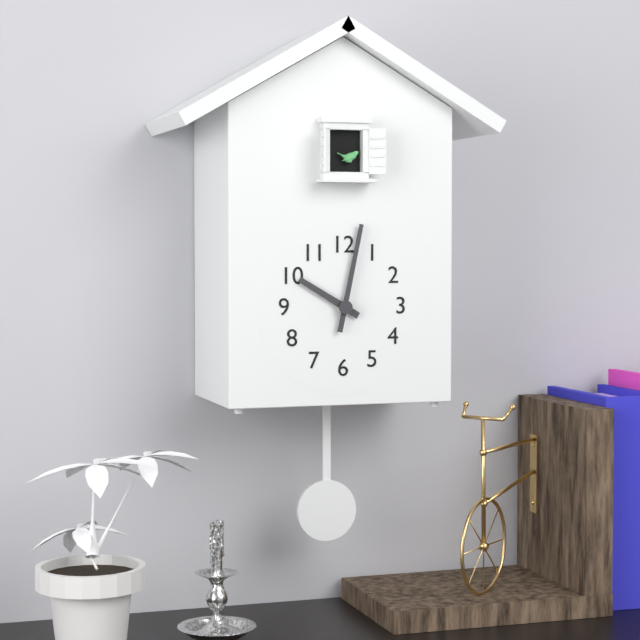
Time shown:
**10:02**
